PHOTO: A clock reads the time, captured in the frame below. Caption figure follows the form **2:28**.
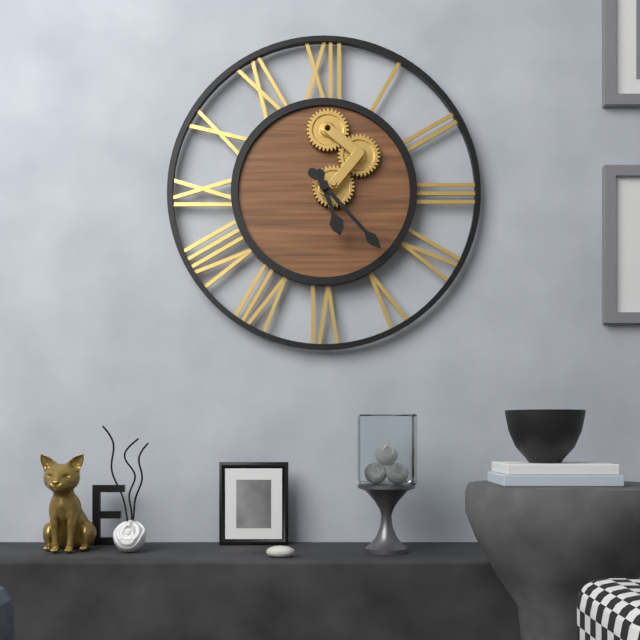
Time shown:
**5:23**
